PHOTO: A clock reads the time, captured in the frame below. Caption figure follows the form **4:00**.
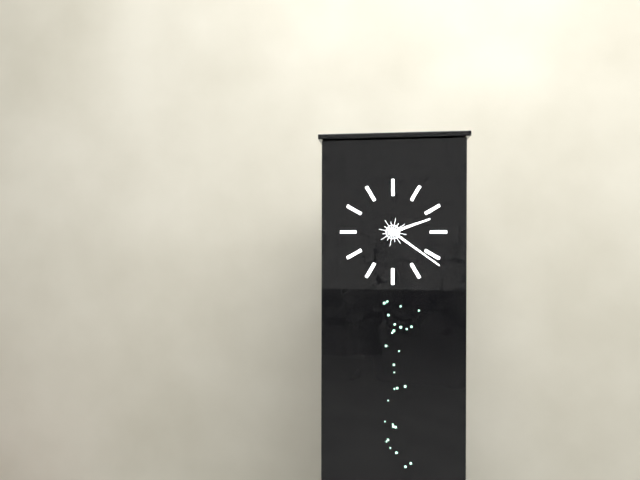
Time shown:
**2:21**
